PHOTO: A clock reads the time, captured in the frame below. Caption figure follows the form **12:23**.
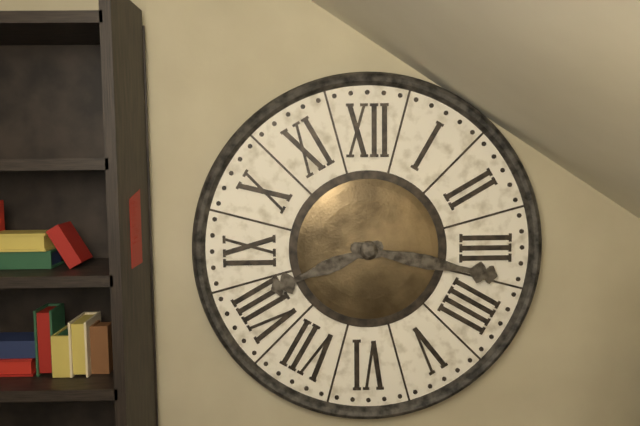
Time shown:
**8:17**
